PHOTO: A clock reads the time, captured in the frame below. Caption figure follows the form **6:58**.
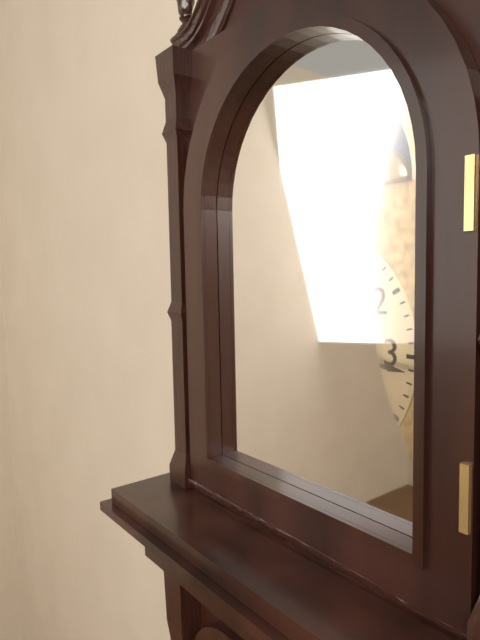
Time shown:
**1:16**
